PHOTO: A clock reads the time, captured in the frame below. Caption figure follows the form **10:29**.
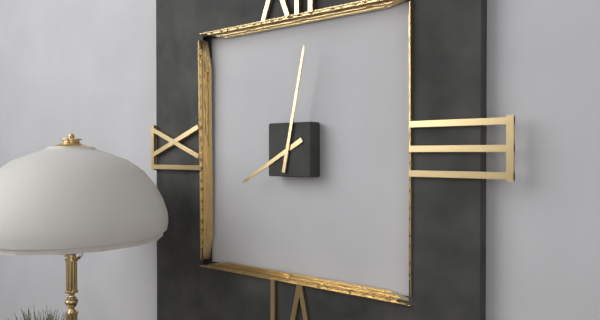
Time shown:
**8:02**
